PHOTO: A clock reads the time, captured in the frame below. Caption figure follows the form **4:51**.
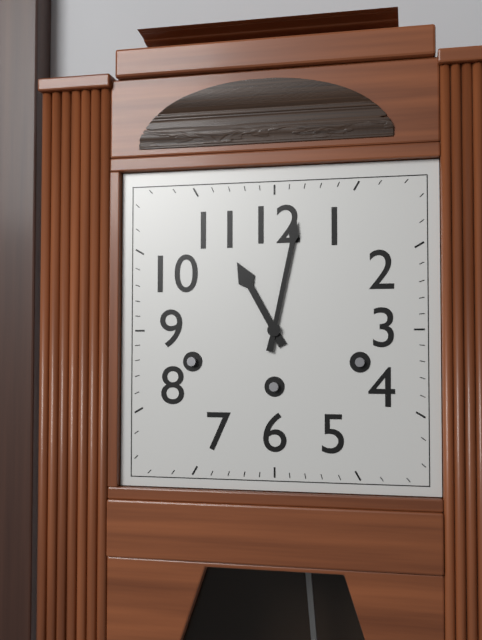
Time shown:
**11:02**
